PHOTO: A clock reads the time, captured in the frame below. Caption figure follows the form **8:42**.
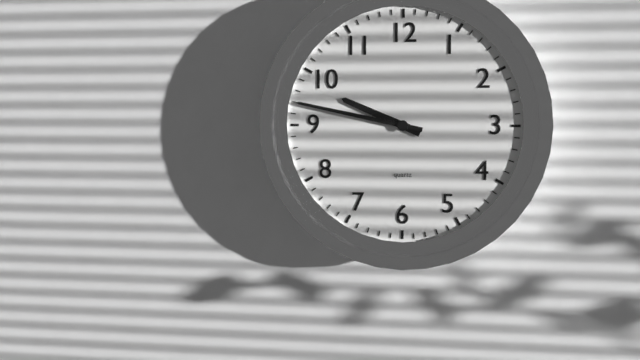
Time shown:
**9:47**
